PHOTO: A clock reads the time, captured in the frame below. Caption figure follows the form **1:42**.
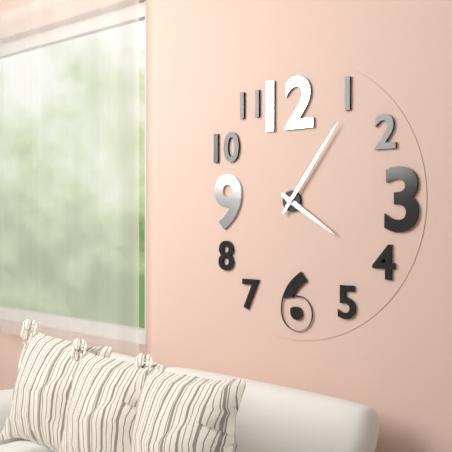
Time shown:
**4:06**
